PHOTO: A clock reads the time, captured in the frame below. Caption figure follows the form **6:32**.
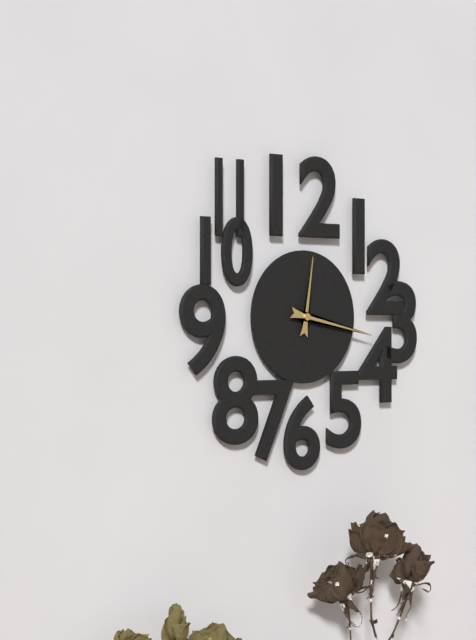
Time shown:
**12:17**
